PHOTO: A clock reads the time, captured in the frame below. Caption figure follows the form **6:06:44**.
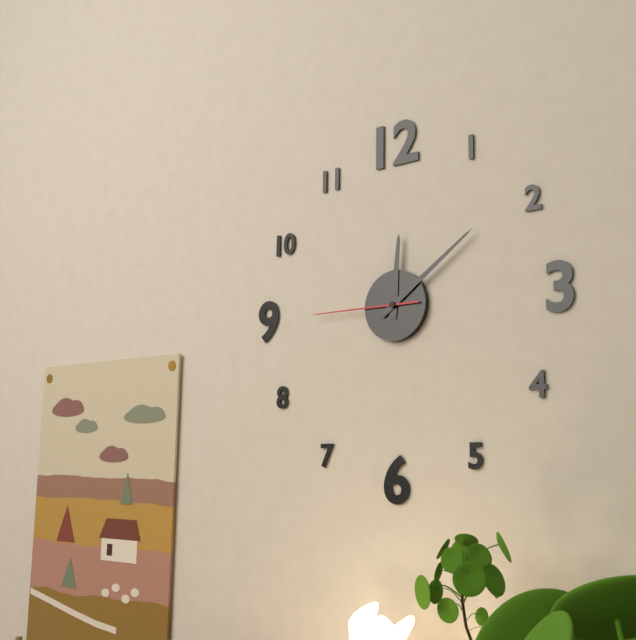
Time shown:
**12:09:45**
